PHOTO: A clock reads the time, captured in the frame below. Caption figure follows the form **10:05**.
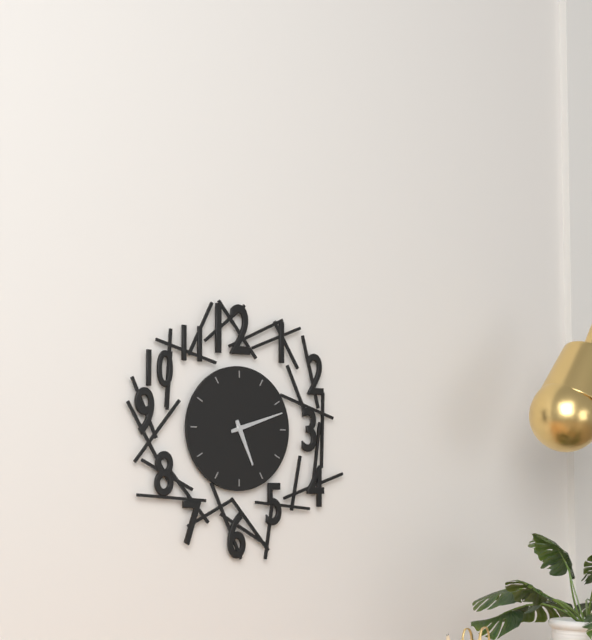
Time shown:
**5:12**
